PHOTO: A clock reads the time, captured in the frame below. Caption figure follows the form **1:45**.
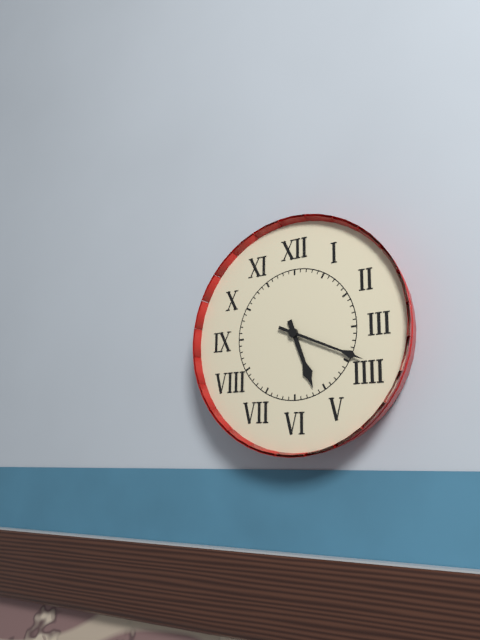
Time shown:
**5:19**
